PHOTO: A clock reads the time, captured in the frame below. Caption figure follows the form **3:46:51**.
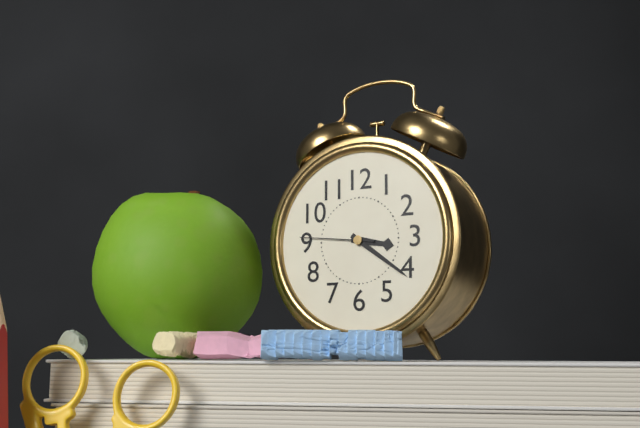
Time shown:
**3:21:46**
